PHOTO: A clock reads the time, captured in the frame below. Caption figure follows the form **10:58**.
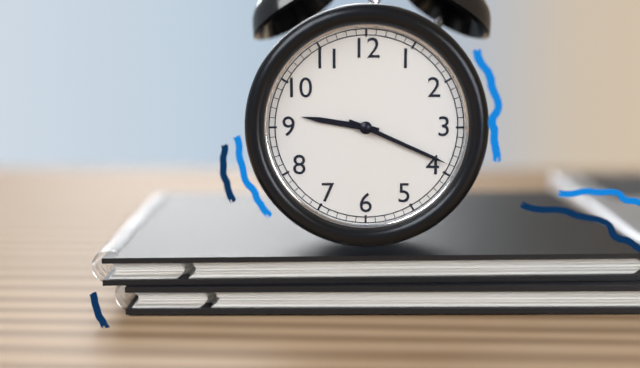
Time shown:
**9:19**
